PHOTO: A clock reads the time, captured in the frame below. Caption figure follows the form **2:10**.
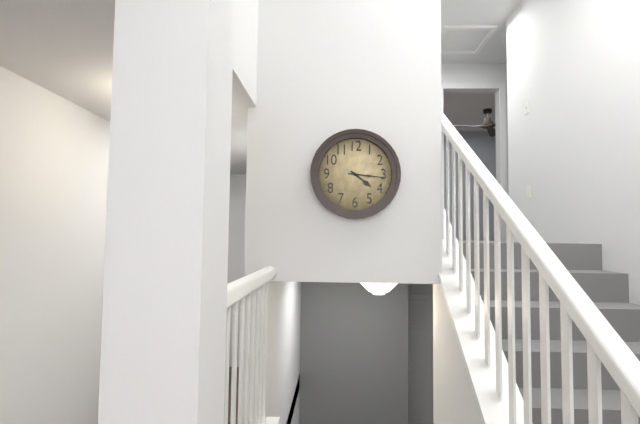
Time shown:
**4:16**
